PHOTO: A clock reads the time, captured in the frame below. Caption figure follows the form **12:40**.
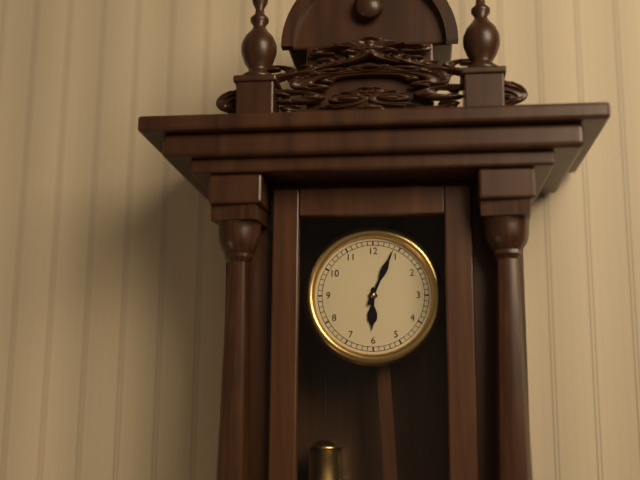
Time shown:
**6:04**
